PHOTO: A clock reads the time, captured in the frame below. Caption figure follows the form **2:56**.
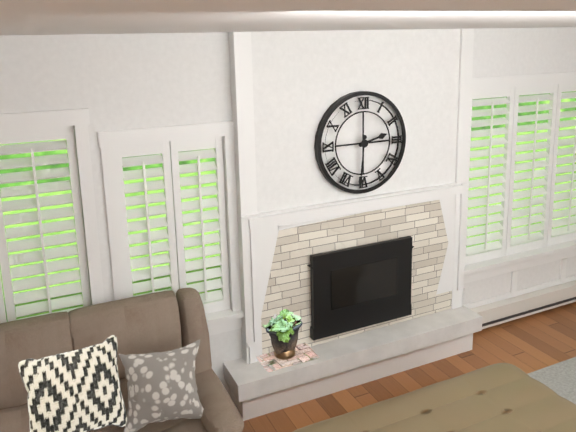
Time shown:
**2:31**
